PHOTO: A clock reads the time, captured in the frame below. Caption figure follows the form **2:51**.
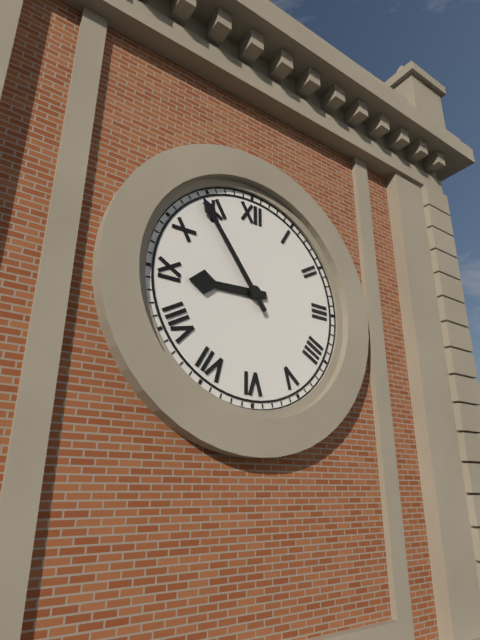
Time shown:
**8:54**
